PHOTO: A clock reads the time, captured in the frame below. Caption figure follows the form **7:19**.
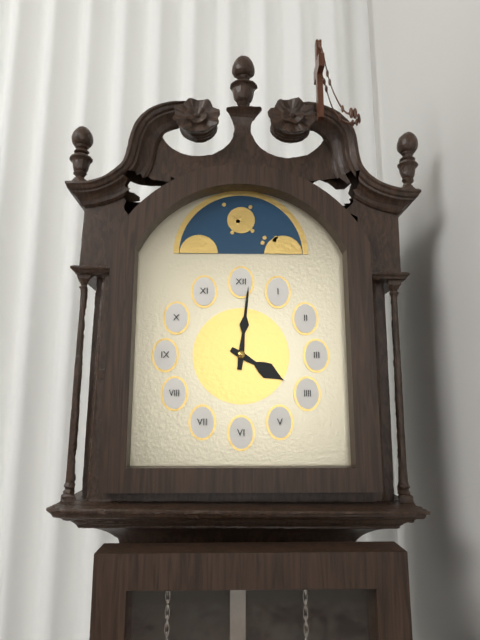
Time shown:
**4:01**
